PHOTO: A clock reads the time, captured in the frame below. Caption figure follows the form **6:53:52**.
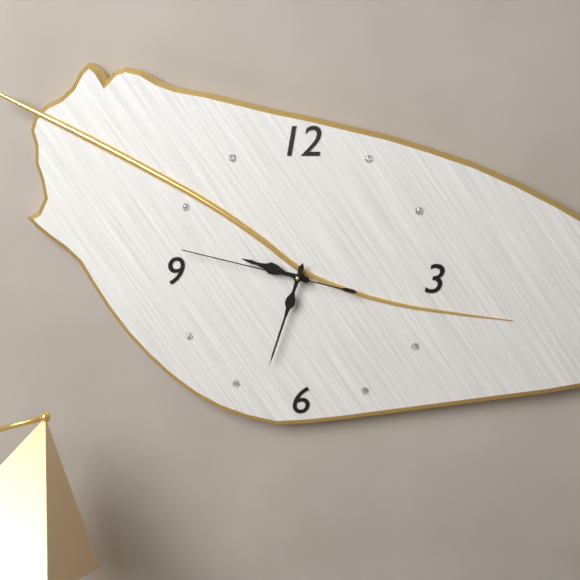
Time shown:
**9:33:47**
